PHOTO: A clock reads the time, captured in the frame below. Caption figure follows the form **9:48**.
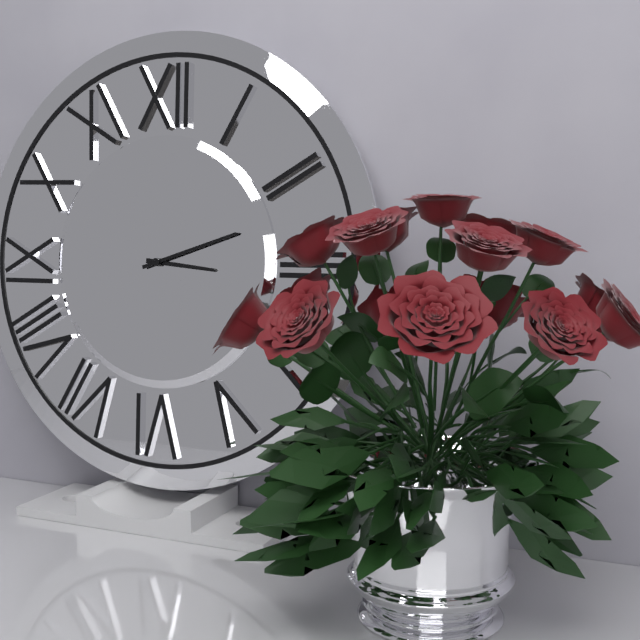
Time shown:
**3:12**
